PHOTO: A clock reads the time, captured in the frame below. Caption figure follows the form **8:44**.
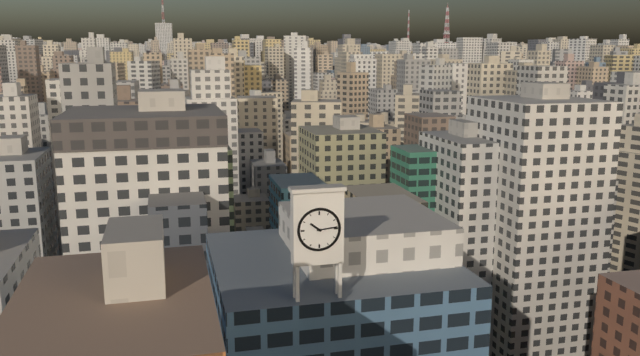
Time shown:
**10:14**
